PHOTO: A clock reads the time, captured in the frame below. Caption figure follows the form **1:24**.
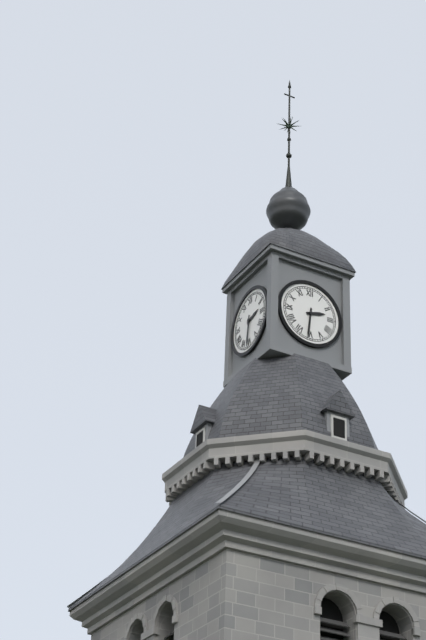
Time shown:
**2:31**
